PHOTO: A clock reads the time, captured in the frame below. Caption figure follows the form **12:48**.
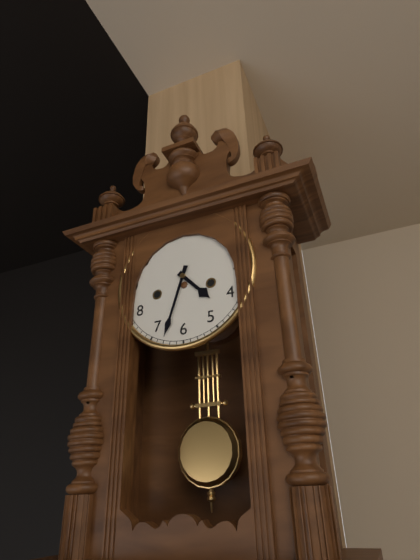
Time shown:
**4:33**
